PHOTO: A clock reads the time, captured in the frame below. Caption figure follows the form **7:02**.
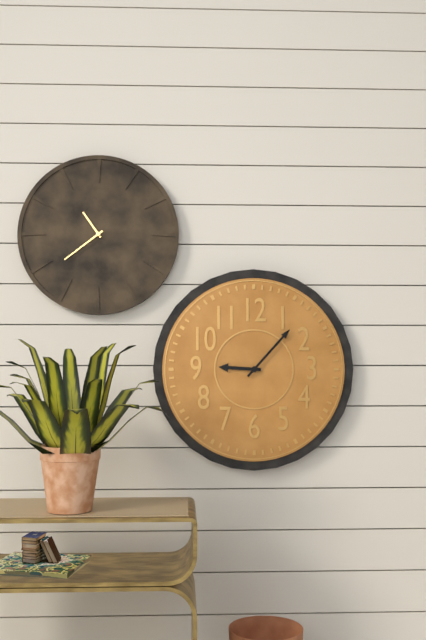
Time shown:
**9:07**
